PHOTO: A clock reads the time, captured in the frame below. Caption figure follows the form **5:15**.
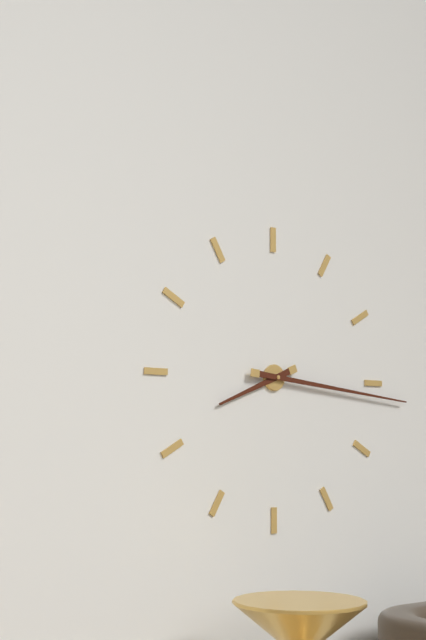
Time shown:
**8:16**
